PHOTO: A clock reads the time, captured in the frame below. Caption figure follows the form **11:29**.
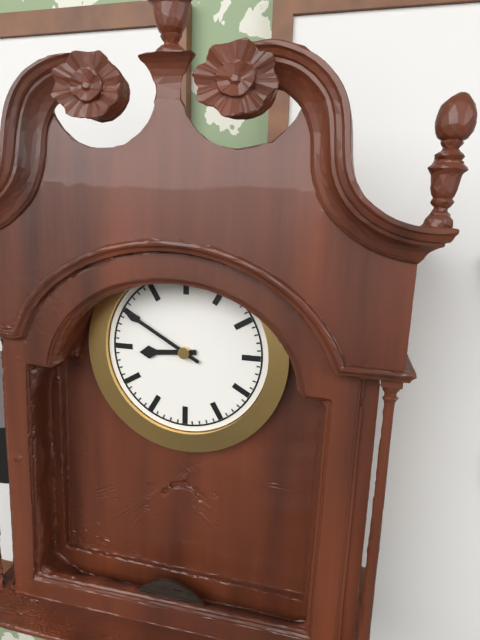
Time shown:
**8:50**
